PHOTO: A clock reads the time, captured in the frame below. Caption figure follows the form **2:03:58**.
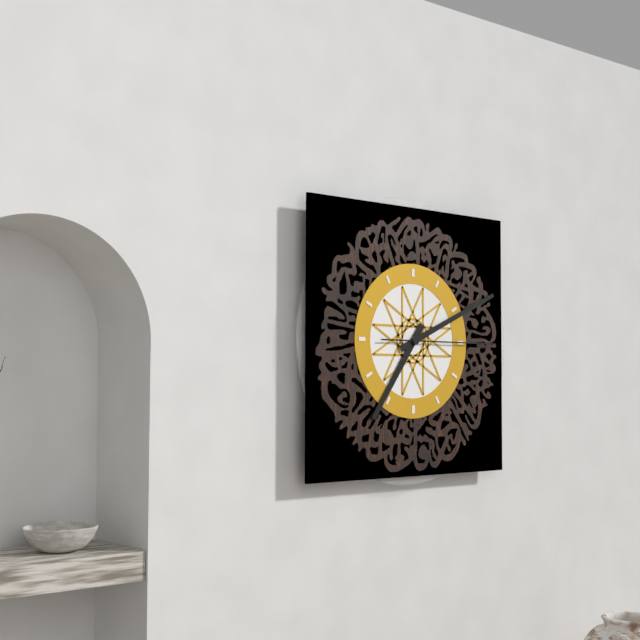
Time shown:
**7:11:15**
